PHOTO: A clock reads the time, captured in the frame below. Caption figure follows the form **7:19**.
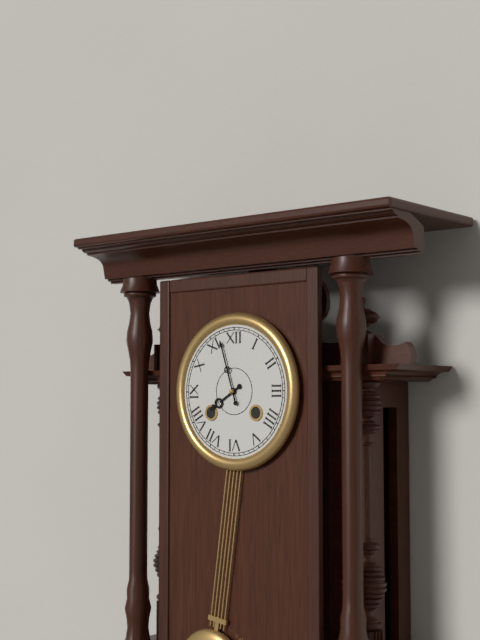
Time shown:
**7:57**
